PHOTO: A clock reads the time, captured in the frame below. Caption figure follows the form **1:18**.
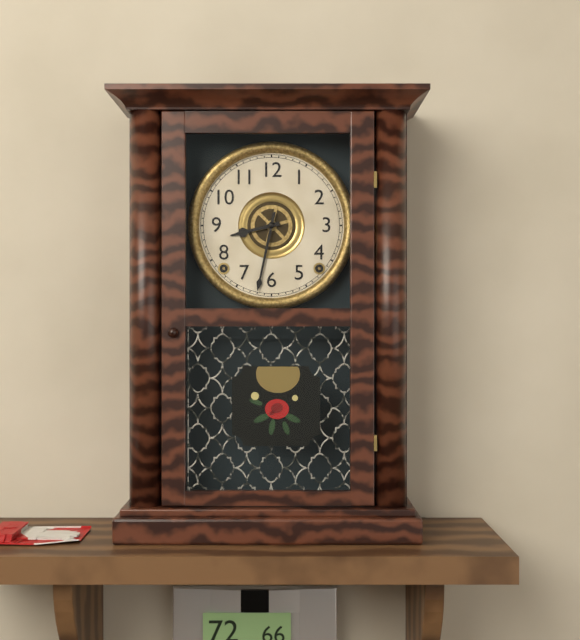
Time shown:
**8:32**
